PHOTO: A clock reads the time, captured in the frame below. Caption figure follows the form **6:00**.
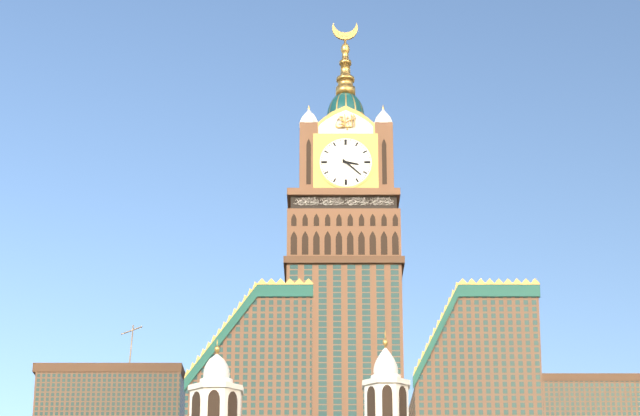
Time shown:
**3:22**
